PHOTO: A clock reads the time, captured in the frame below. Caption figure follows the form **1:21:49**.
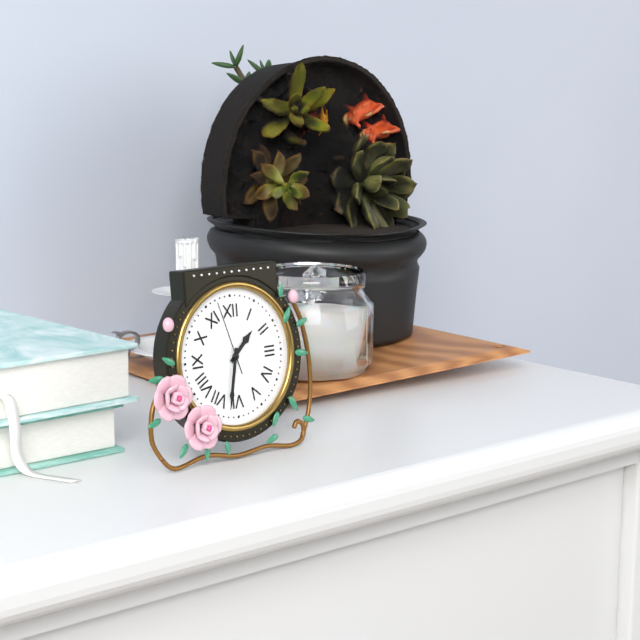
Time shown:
**1:32:57**
